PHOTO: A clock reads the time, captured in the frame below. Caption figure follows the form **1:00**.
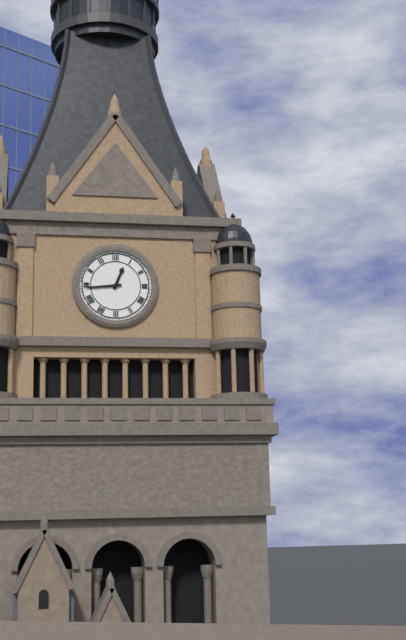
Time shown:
**12:44**
